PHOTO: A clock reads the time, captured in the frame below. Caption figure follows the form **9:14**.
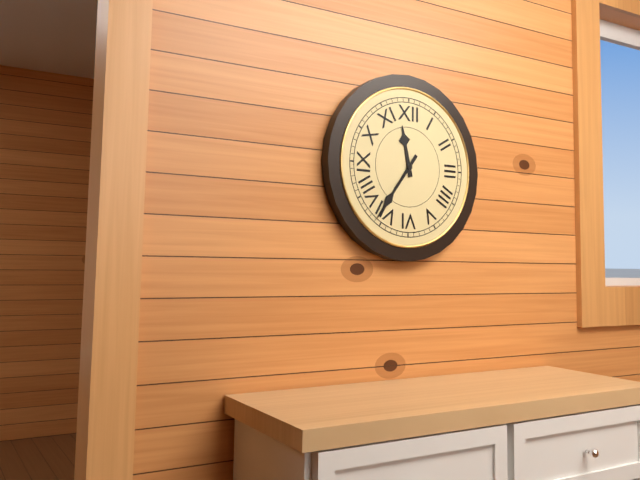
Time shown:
**11:36**
